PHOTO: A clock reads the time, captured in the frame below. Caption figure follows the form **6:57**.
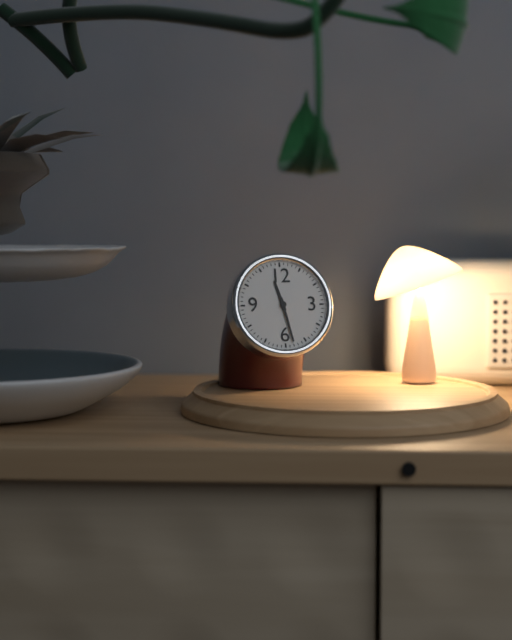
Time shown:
**11:28**
